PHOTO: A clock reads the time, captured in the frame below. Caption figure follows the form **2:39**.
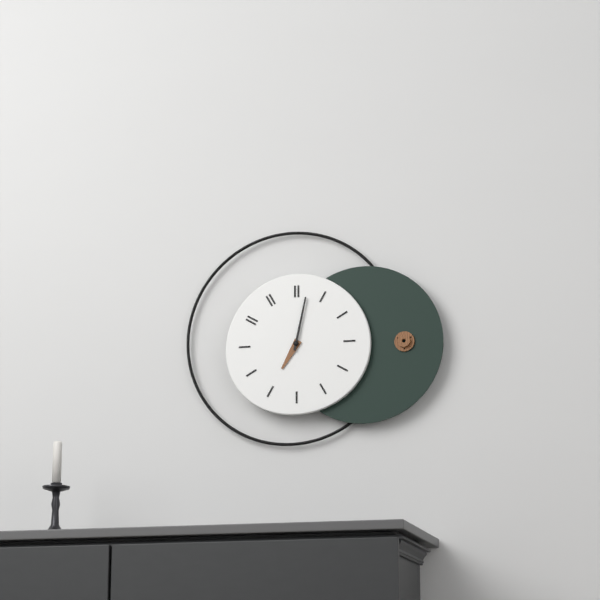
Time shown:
**7:02**
